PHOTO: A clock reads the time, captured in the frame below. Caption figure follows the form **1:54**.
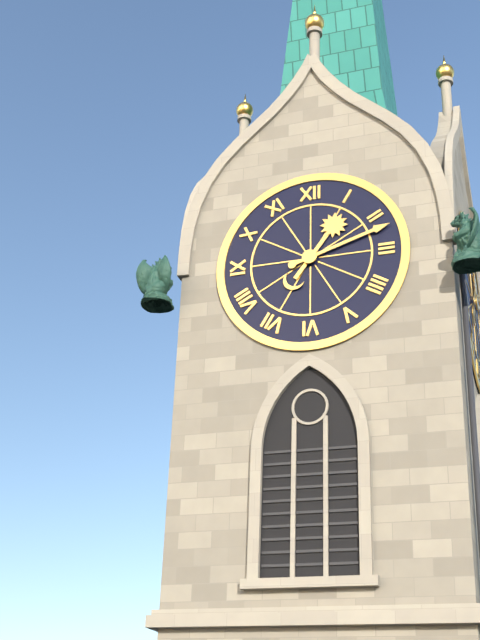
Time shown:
**1:12**
